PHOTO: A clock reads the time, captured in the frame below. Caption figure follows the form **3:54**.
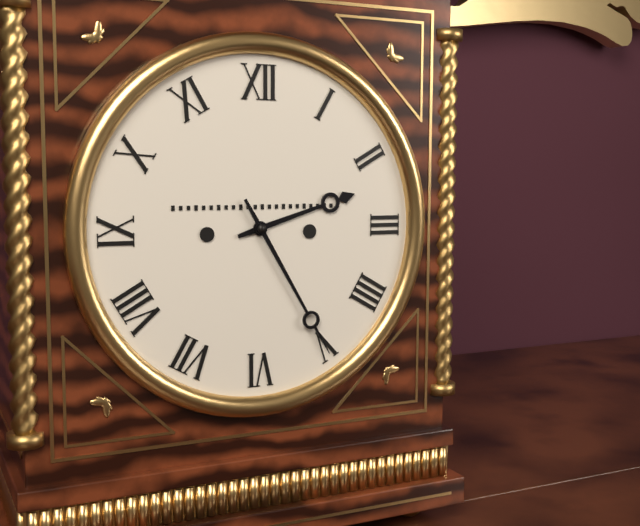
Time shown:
**2:25**
